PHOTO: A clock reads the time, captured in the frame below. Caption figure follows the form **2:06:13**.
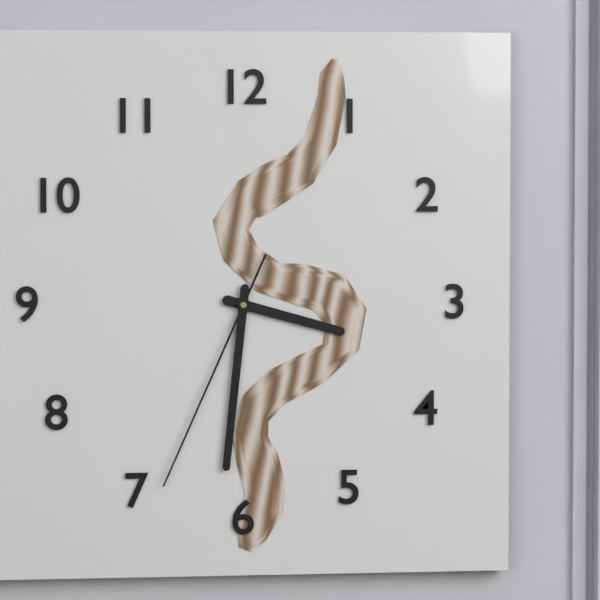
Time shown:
**3:31:34**
